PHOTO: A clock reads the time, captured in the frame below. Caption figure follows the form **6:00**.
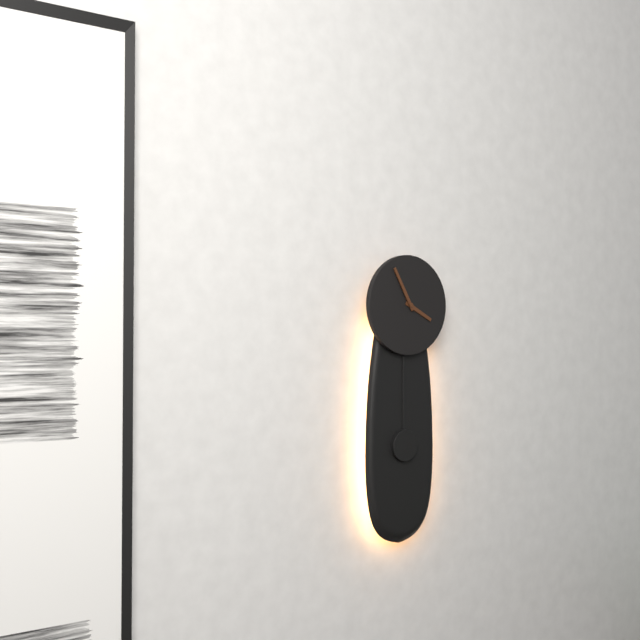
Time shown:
**3:55**
